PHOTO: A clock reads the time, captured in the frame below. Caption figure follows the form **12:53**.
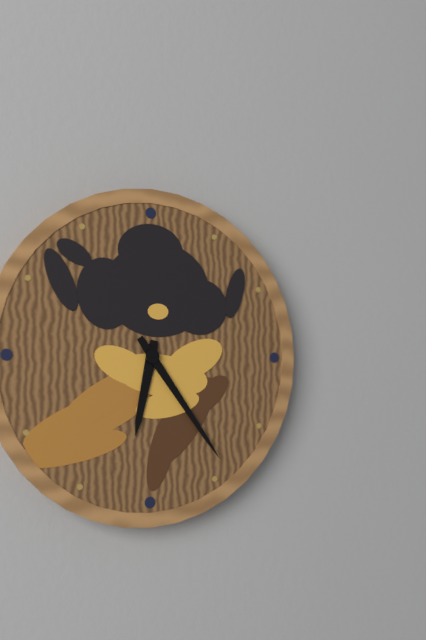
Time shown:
**6:24**
